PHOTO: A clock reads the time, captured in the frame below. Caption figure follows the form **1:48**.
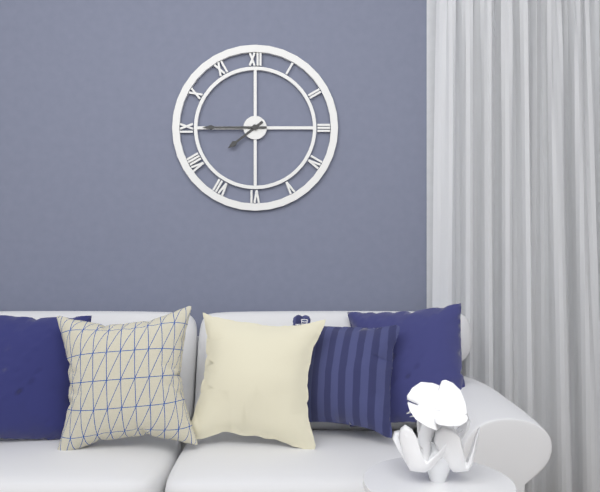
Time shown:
**7:45**
